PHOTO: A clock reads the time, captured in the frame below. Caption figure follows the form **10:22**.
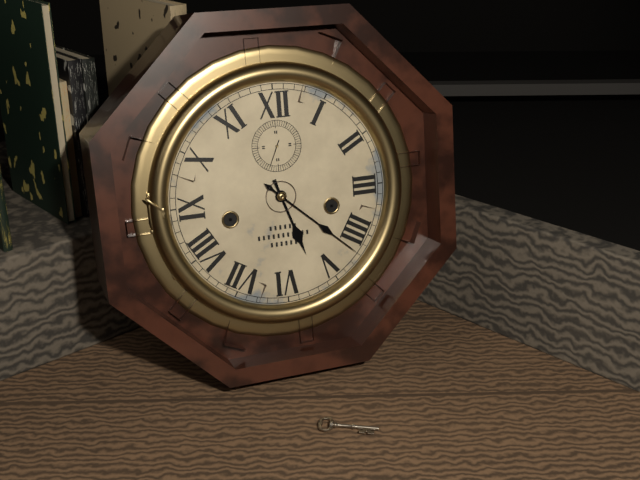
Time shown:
**5:22**
